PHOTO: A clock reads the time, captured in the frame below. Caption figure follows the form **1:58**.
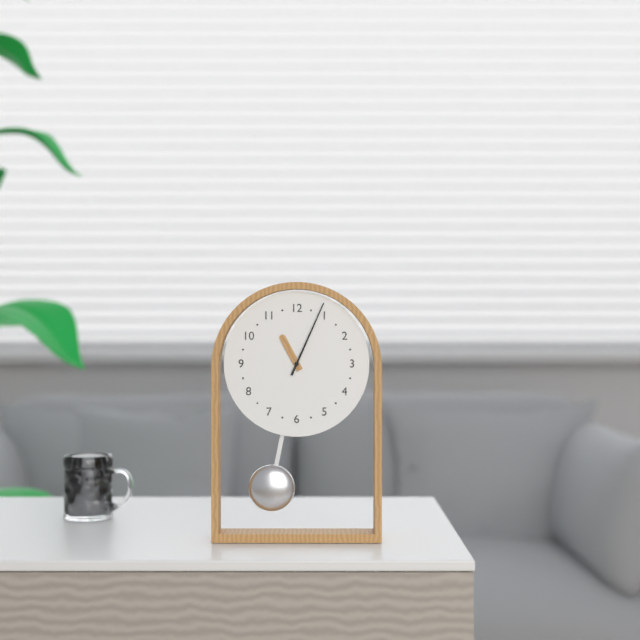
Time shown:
**11:04**
